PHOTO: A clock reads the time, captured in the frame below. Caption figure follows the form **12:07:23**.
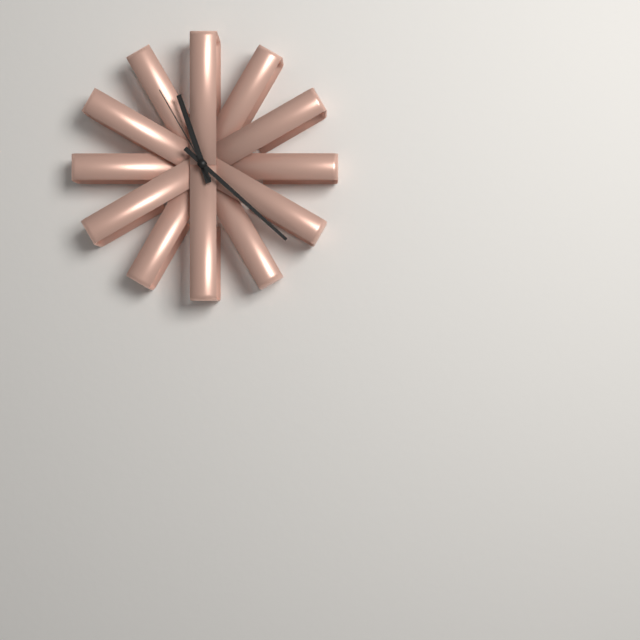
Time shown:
**11:22:55**
